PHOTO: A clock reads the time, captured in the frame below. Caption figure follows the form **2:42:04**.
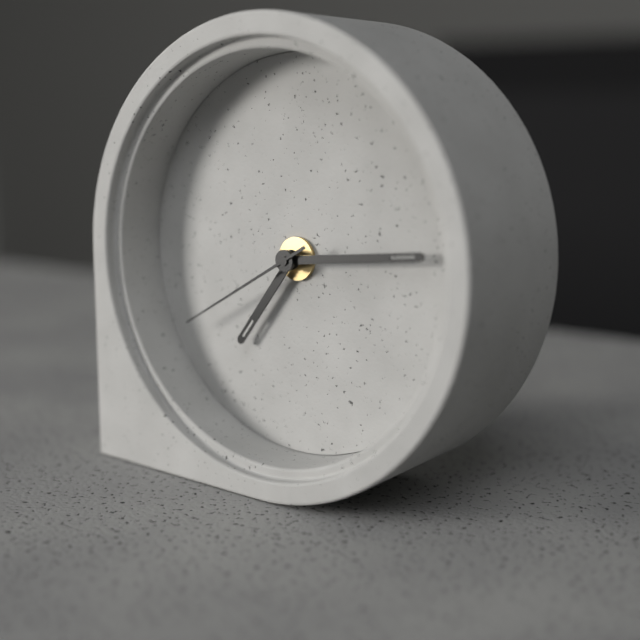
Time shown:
**7:14:40**
